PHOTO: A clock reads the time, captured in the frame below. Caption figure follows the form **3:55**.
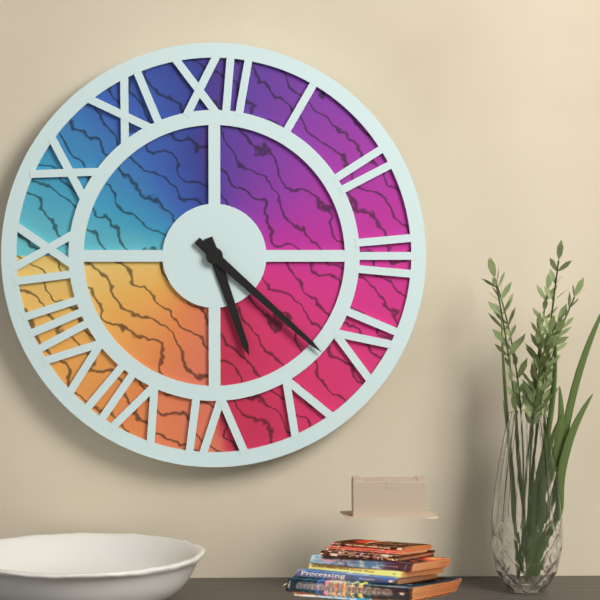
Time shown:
**5:22**
